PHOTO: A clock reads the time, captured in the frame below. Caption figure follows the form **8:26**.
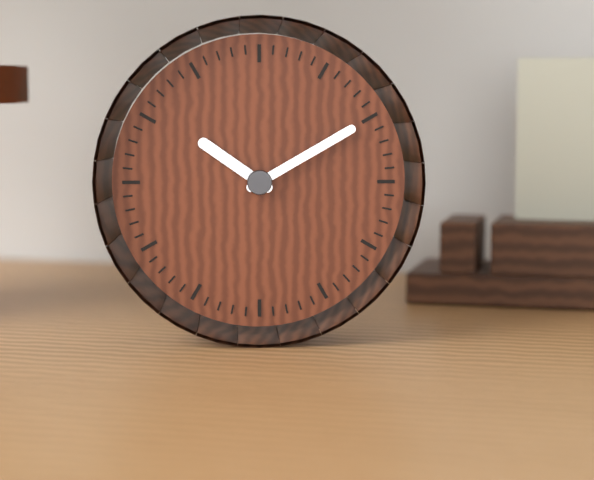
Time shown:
**10:10**
